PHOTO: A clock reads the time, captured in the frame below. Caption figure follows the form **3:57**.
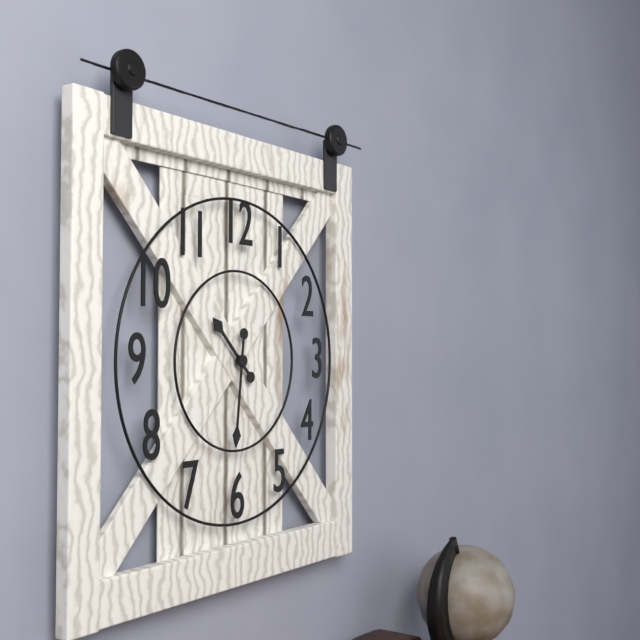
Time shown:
**10:31**
